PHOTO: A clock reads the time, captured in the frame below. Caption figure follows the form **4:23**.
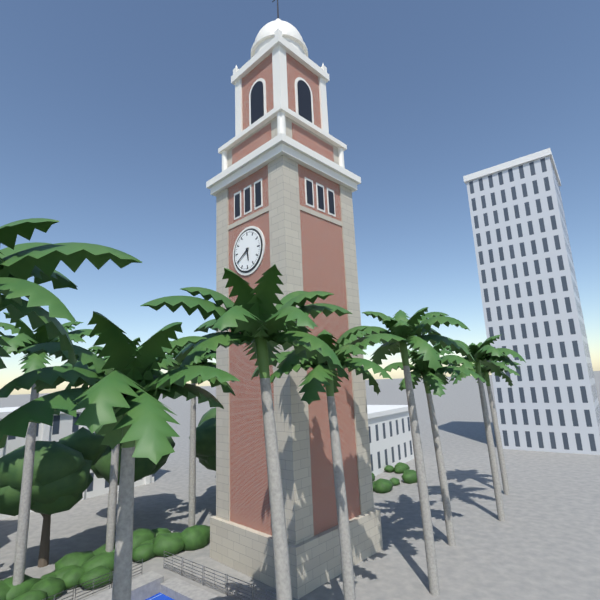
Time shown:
**5:40**
